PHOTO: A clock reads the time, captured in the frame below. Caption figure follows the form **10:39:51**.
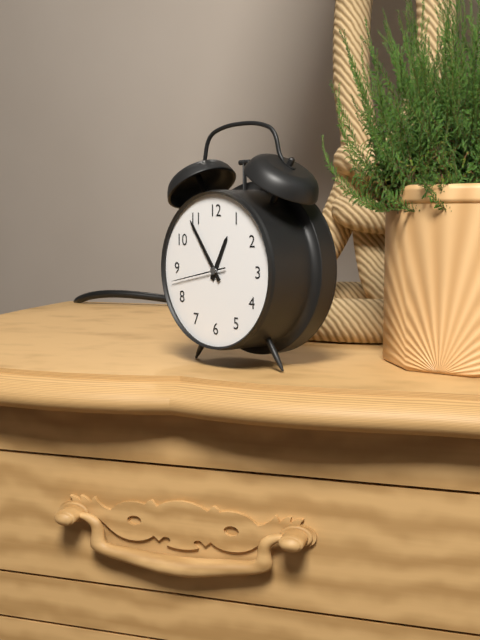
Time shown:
**12:54:43**
